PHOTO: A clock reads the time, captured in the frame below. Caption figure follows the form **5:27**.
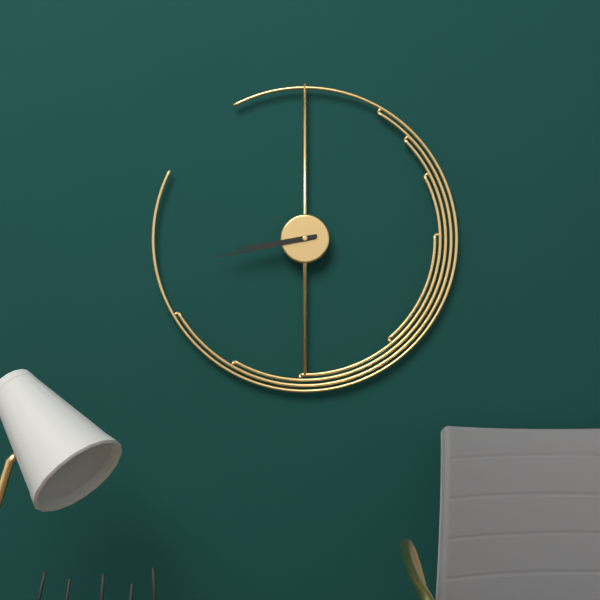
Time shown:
**8:43**
